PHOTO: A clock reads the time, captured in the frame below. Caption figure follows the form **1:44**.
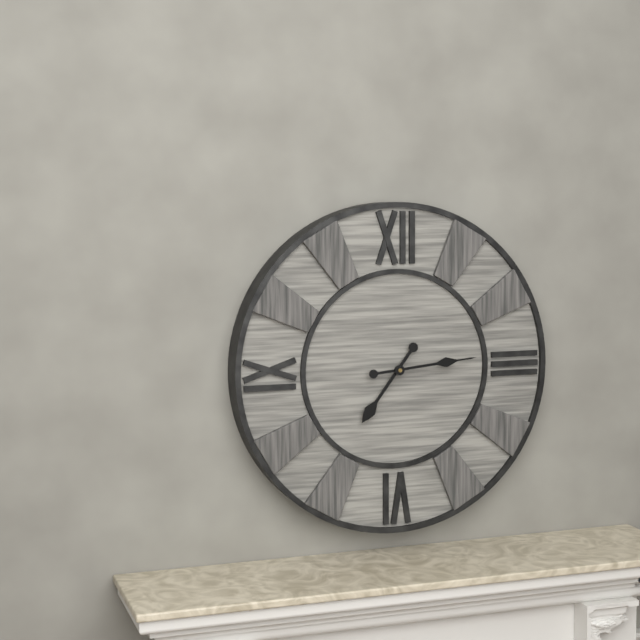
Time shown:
**7:14**
